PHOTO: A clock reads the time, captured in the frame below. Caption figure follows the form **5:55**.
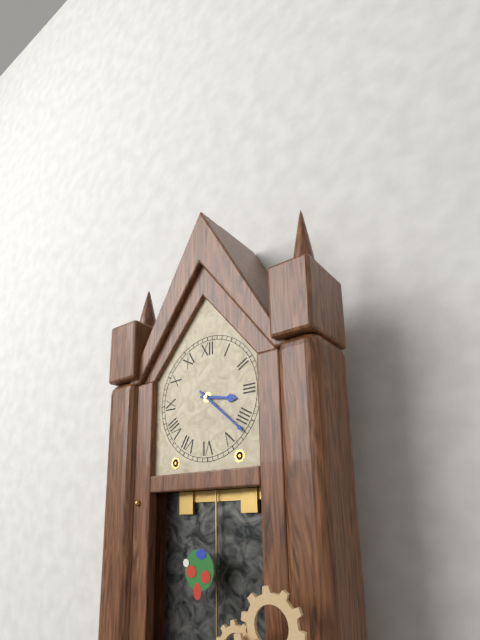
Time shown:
**3:22**
